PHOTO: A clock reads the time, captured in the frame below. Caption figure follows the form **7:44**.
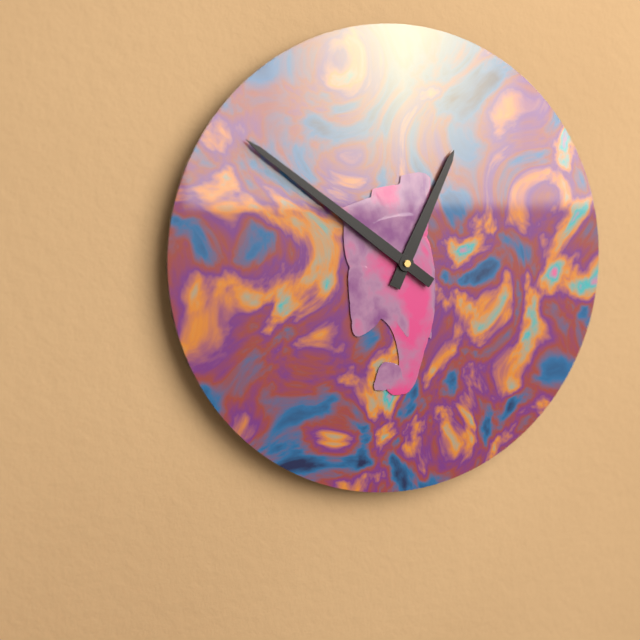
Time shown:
**12:51**
